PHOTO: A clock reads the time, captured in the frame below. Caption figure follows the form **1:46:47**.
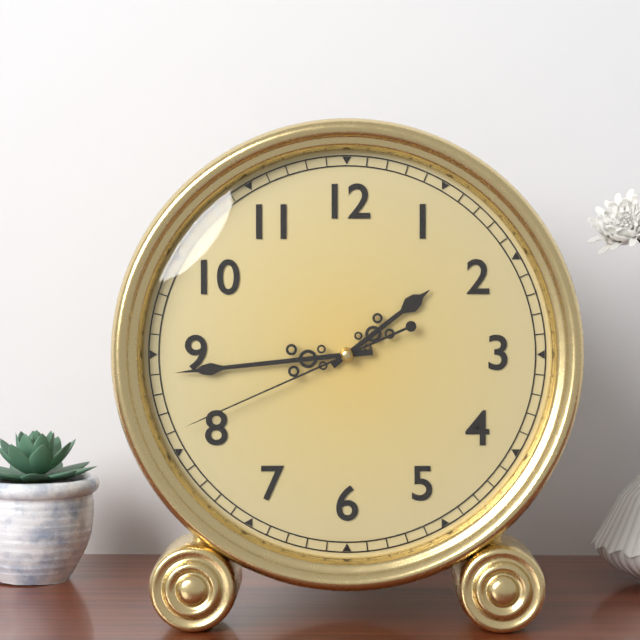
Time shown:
**1:44:41**
